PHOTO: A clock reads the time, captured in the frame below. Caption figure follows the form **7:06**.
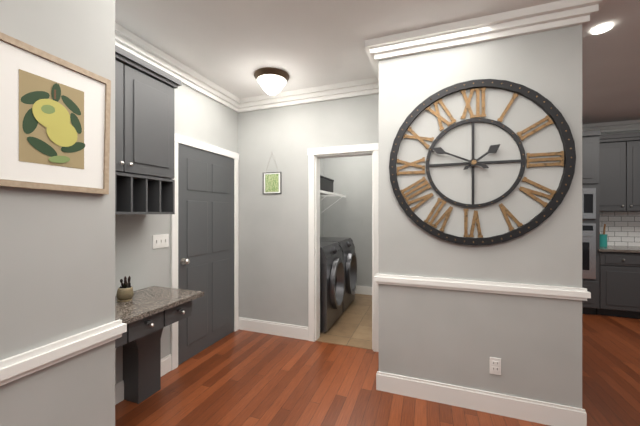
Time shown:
**1:49**
